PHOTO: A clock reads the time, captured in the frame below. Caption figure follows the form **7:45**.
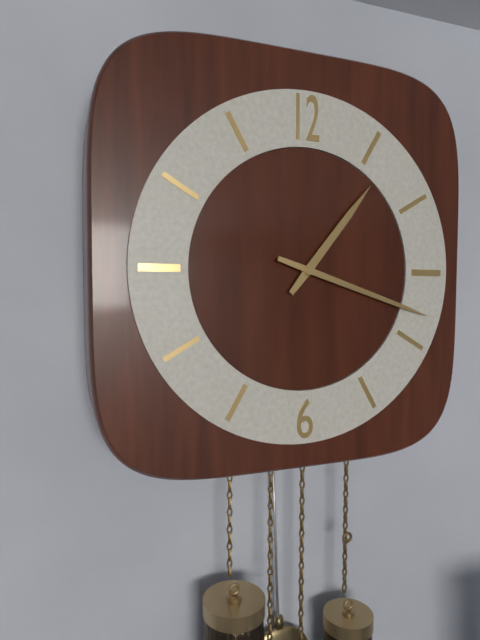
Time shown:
**1:18**
